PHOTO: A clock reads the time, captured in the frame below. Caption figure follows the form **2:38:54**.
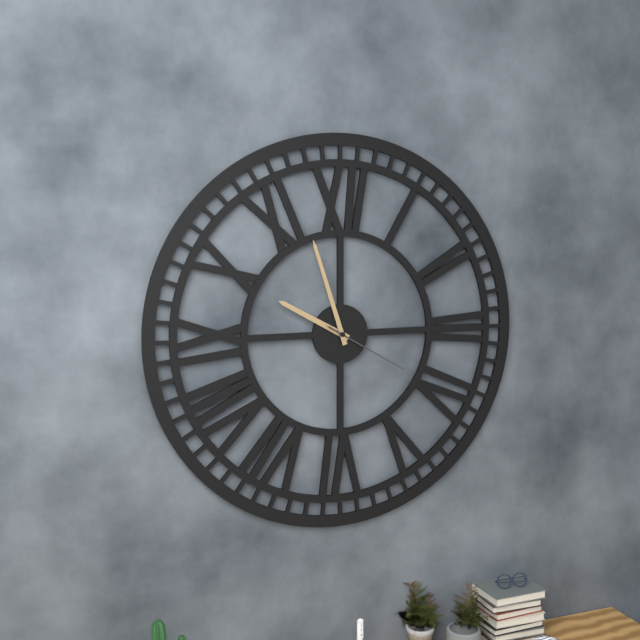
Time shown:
**9:57:20**
